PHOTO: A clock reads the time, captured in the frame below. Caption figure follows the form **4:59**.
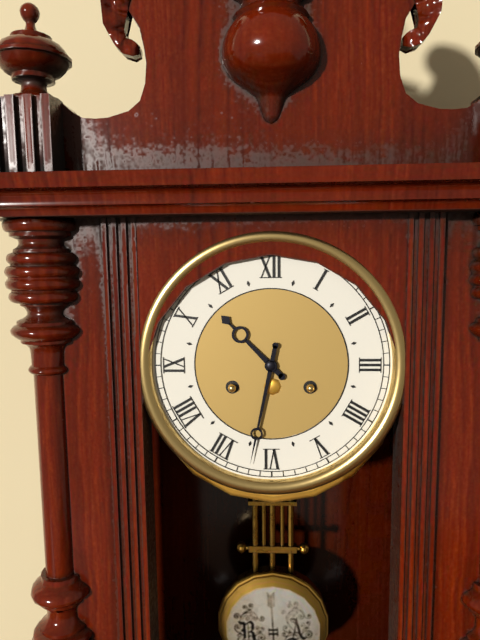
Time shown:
**10:32**
